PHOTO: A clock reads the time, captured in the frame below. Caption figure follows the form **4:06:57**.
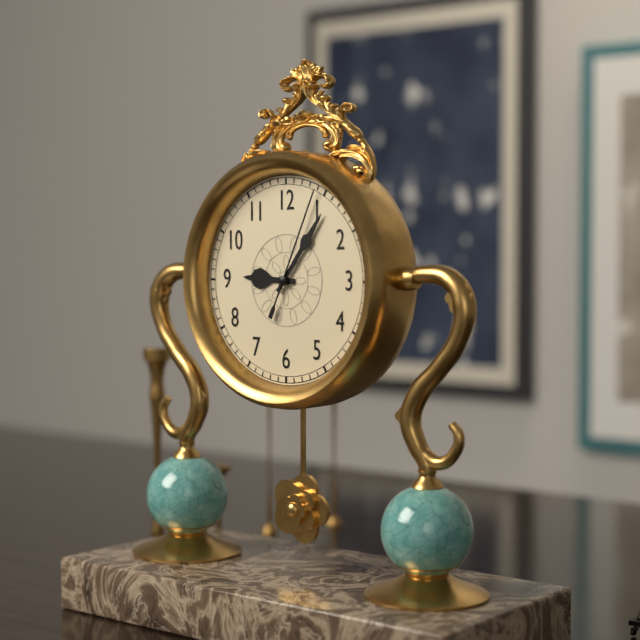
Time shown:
**9:06:04**
